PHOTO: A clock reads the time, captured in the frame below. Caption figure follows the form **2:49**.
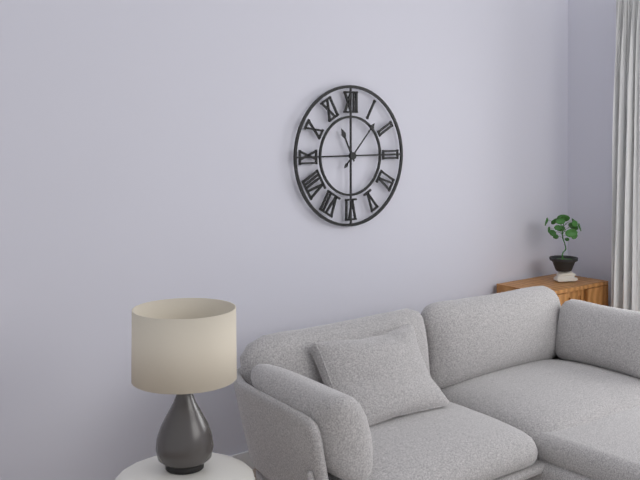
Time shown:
**11:07**
